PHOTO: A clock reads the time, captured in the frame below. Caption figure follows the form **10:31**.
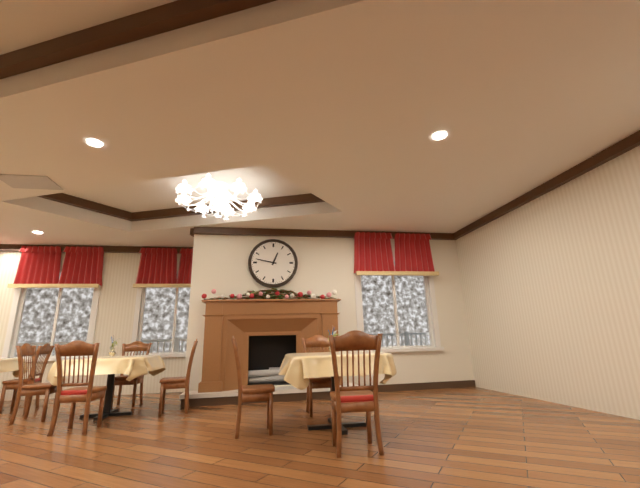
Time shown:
**12:47**
